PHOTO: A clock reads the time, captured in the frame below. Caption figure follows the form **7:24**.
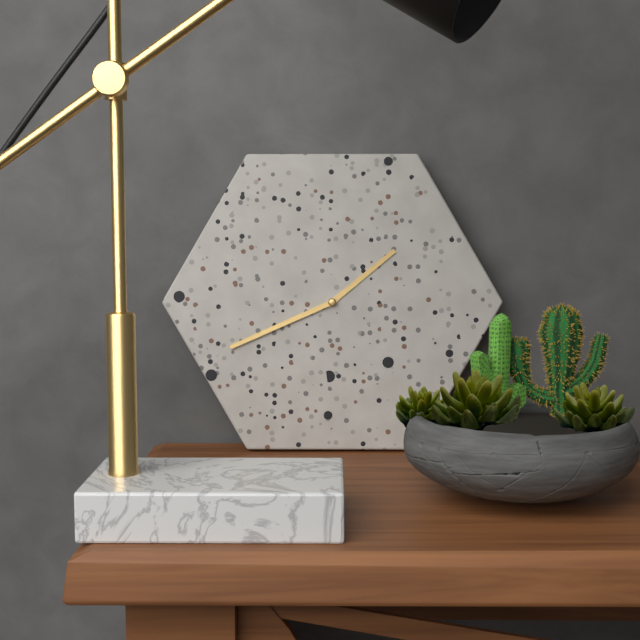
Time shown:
**1:41**
